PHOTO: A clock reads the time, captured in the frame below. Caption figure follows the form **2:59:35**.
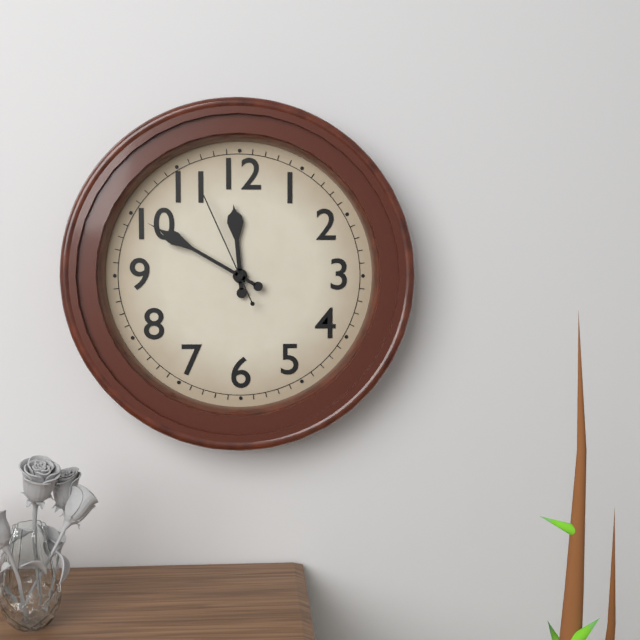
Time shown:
**11:50:56**
